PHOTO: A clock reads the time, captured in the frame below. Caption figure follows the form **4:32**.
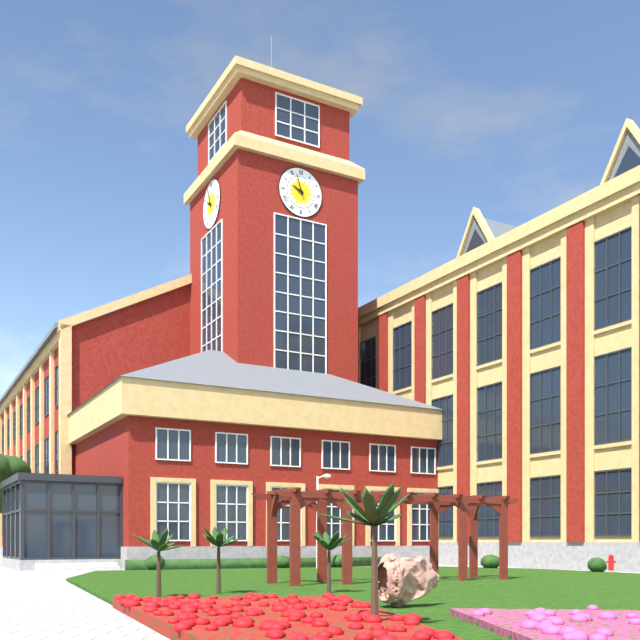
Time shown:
**9:57**
